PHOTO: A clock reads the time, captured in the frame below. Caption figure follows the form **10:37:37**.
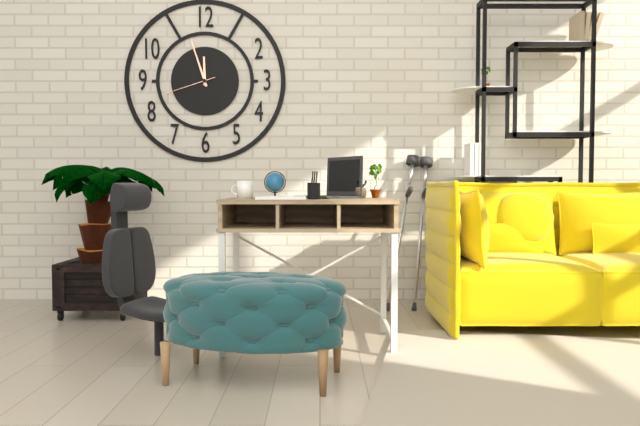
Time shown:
**11:57:42**
